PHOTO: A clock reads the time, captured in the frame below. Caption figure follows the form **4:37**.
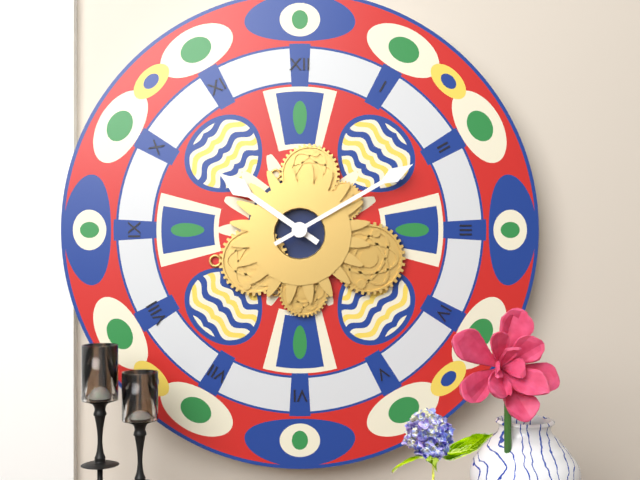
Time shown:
**10:10**
